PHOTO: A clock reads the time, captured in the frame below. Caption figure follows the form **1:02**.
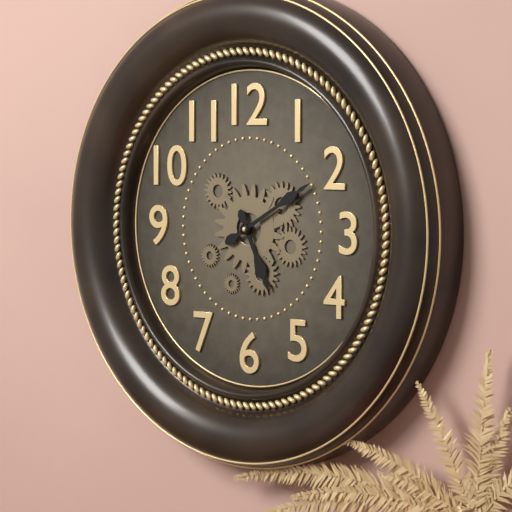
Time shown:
**5:10**
